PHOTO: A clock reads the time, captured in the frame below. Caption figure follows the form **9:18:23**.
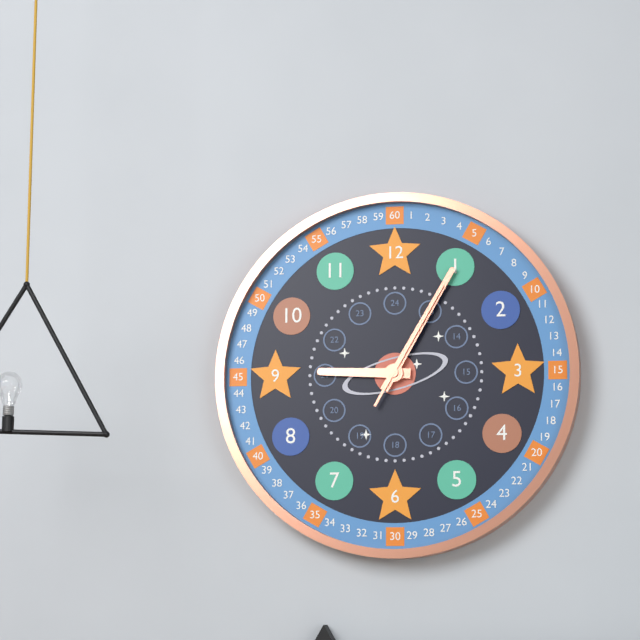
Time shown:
**9:05:05**
